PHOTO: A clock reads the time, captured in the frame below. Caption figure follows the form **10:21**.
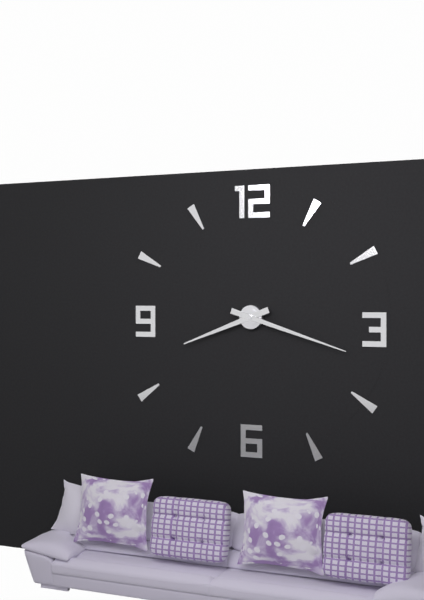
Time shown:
**8:18**
